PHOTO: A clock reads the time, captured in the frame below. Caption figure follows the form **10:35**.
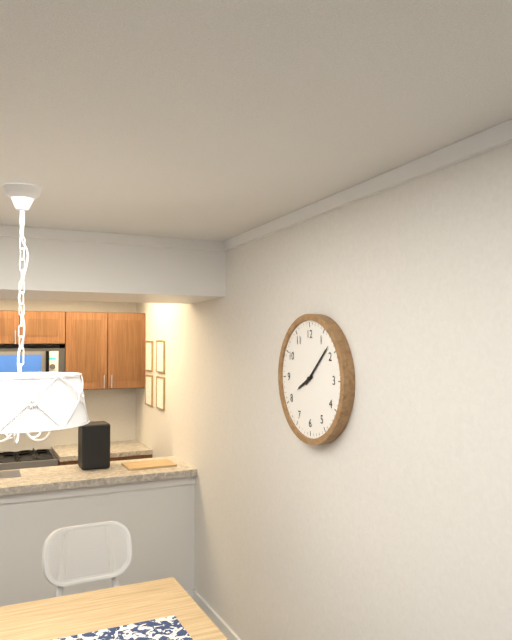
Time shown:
**8:08**
